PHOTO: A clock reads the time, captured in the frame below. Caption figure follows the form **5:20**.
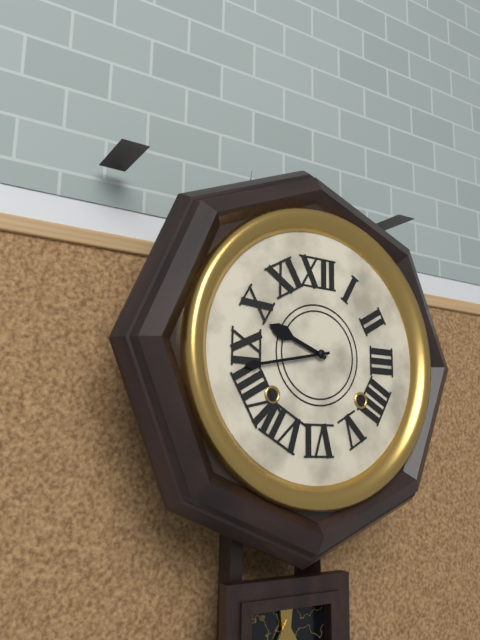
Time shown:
**9:43**
